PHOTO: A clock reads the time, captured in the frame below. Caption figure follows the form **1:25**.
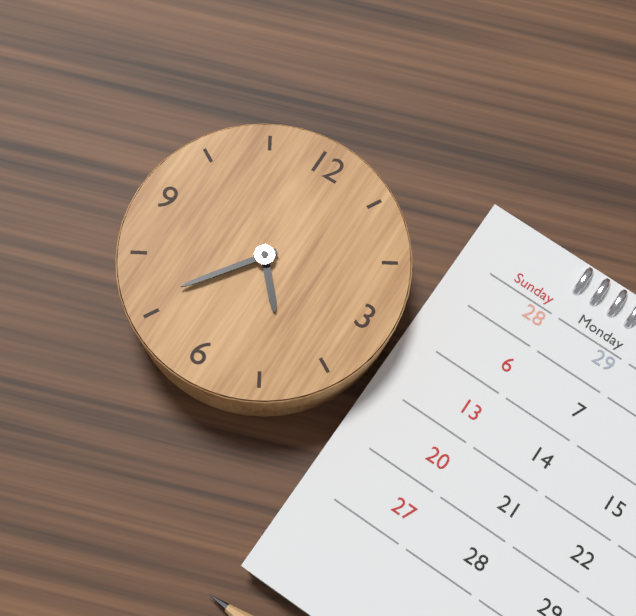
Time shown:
**4:36**
